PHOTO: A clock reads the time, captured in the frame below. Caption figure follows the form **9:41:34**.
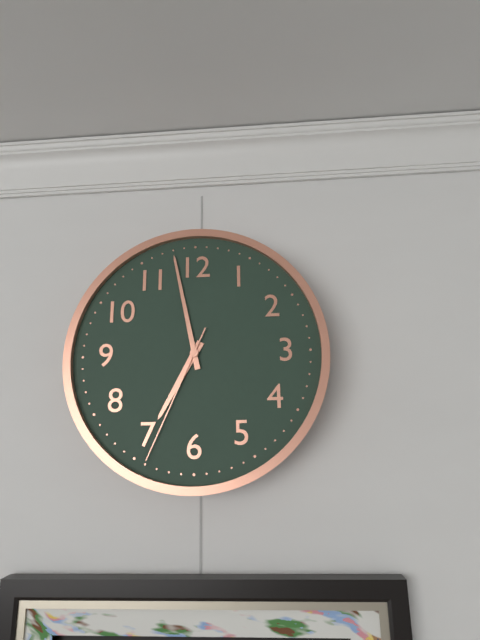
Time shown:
**6:58:34**
